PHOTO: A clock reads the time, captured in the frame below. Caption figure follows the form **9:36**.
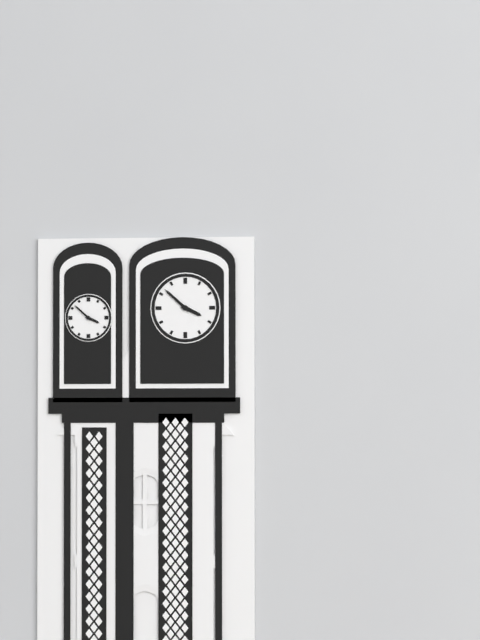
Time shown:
**3:52**
